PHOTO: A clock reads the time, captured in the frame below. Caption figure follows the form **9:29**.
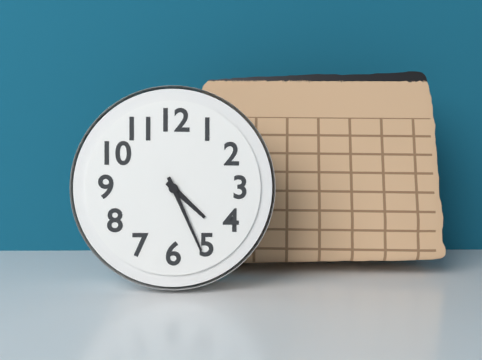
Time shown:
**4:26**
